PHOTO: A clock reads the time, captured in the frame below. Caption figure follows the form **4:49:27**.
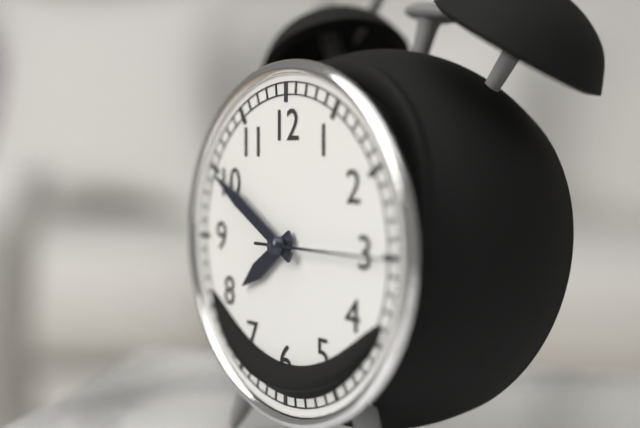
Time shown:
**7:50:15**
